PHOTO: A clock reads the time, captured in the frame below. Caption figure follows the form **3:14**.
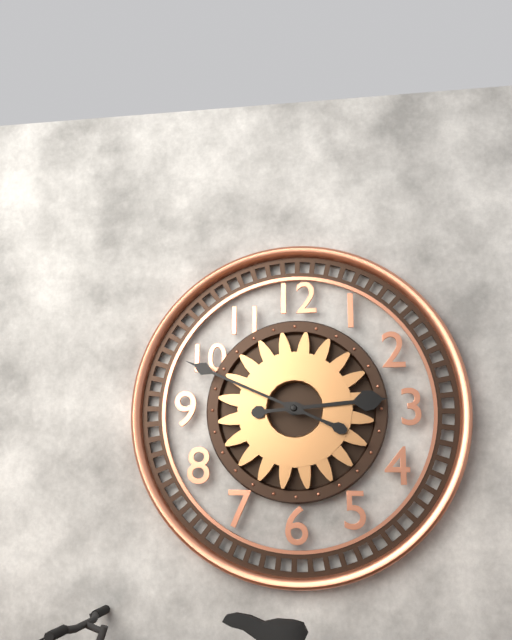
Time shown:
**2:49**
